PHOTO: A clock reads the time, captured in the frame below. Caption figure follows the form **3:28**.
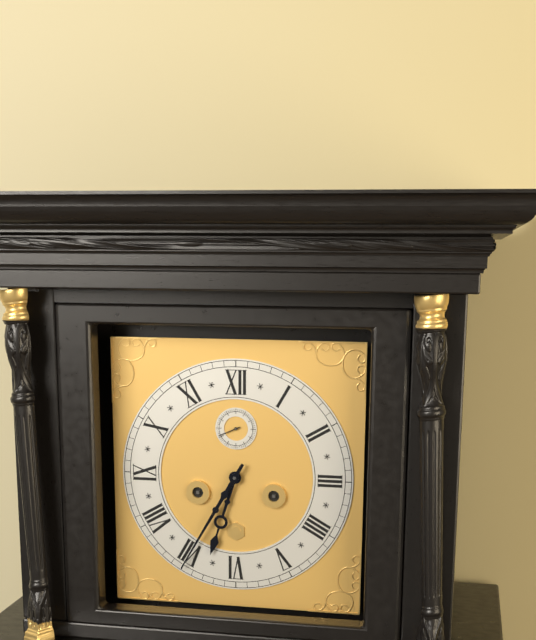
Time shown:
**6:35**
